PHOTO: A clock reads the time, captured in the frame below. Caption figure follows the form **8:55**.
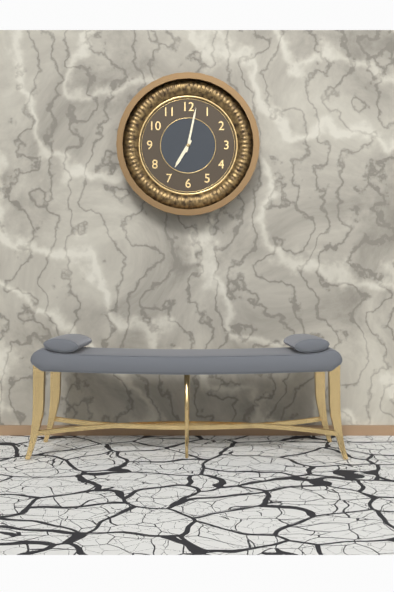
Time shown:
**7:02**
